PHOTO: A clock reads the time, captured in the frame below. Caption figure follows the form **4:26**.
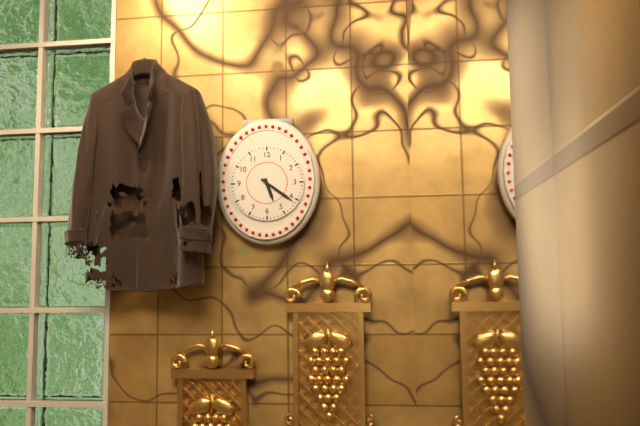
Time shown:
**5:21**
